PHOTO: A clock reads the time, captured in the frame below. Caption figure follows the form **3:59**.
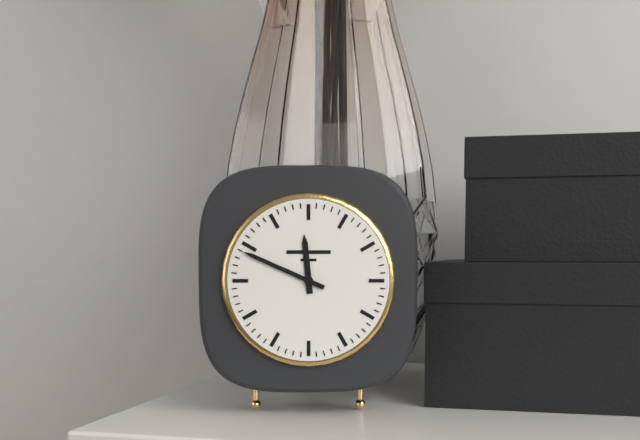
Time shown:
**11:49**
